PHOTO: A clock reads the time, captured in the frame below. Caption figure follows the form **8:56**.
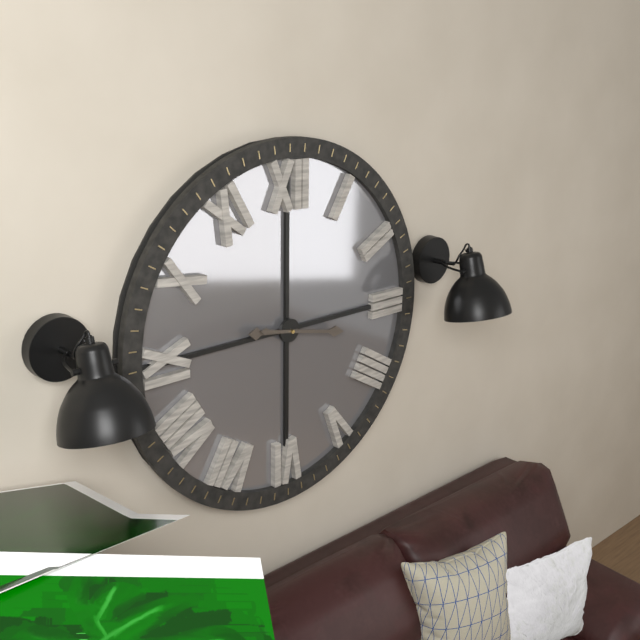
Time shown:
**9:17**
